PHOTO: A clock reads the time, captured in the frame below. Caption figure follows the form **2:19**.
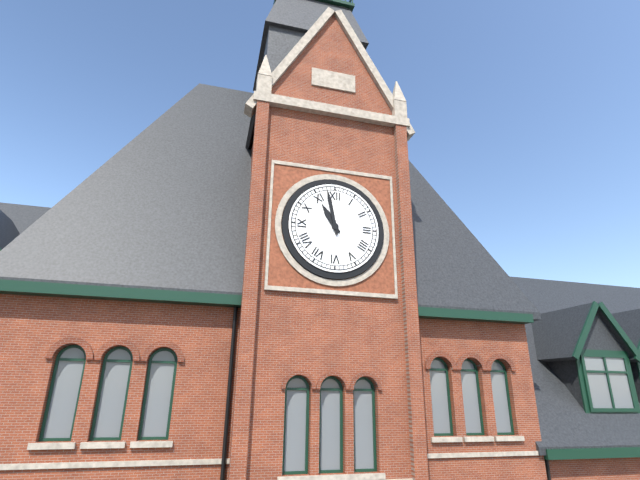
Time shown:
**10:58**
